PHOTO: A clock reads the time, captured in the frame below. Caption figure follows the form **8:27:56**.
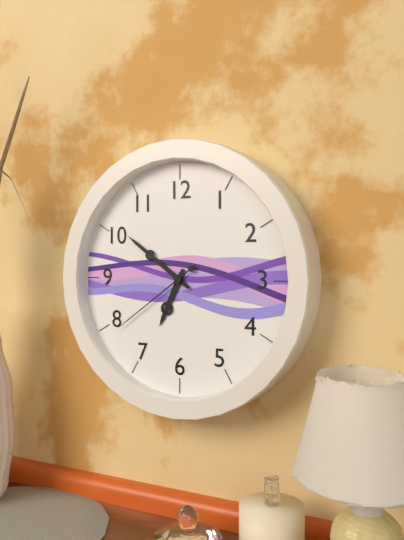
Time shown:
**6:51:39**
